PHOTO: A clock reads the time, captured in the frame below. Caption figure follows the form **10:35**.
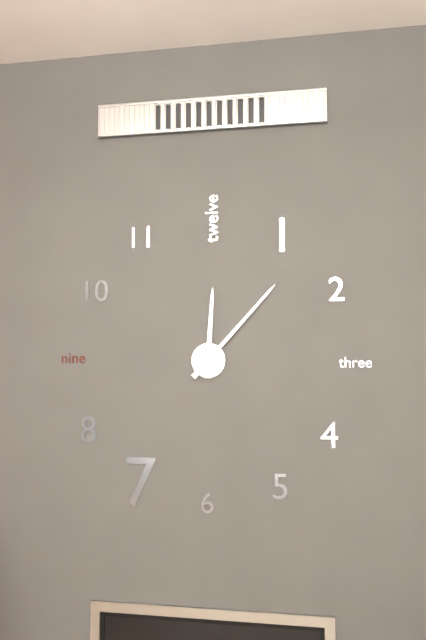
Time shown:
**12:07**
